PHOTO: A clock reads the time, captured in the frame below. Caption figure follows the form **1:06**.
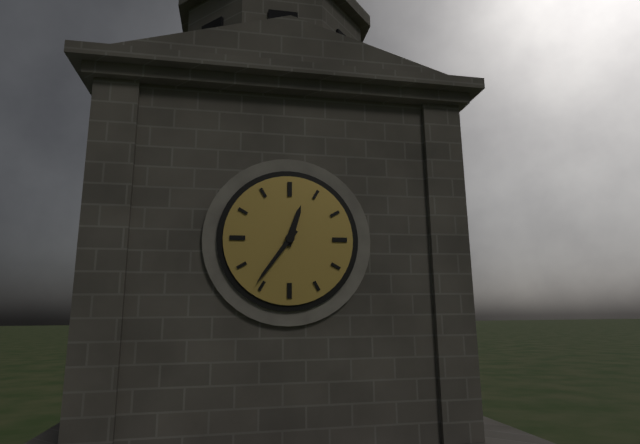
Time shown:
**12:36**
